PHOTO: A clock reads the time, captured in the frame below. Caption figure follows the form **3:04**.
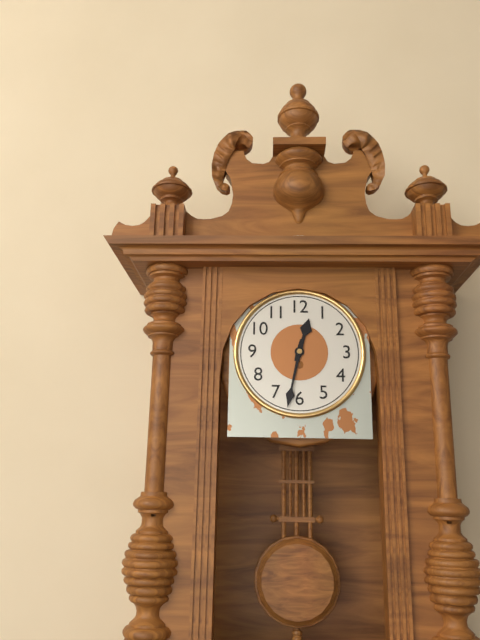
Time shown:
**12:32**
